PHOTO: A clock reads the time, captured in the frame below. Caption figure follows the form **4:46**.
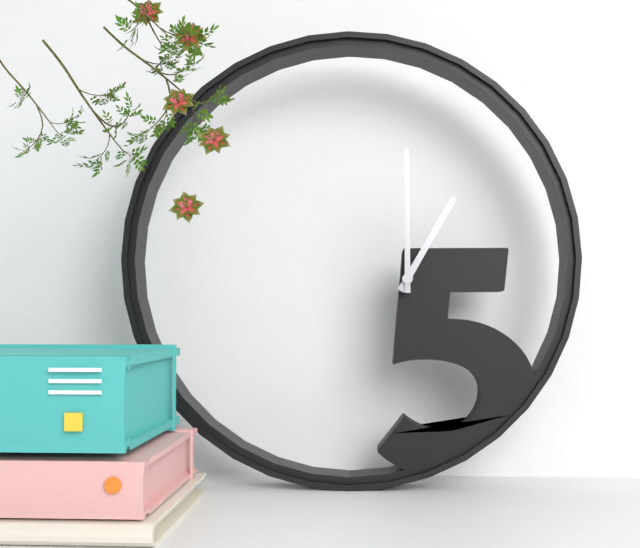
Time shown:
**1:00**
